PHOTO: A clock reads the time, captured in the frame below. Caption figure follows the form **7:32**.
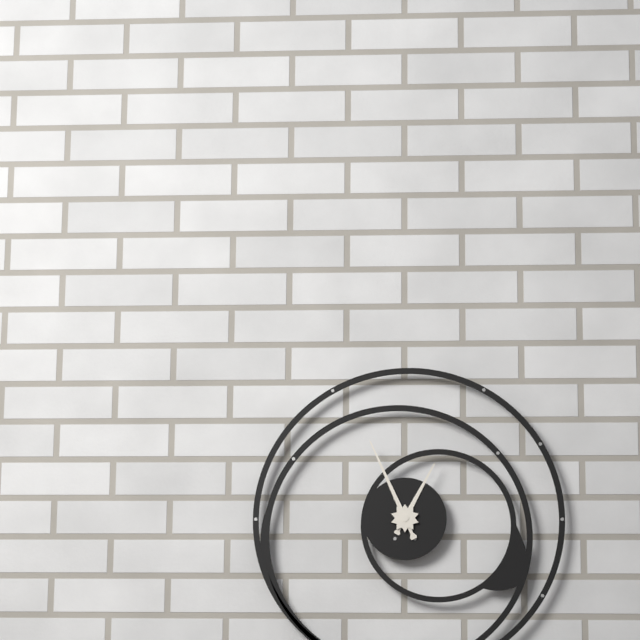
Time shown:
**12:56**
